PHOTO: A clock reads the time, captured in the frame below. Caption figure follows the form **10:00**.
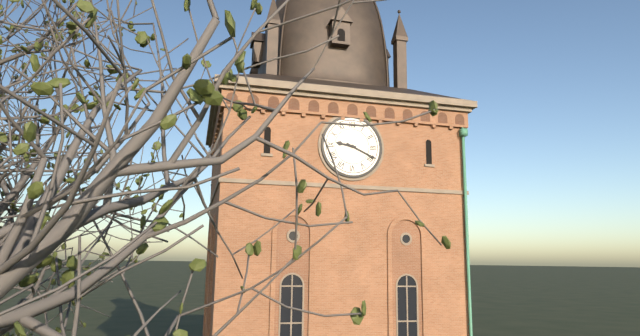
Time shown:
**9:19**
